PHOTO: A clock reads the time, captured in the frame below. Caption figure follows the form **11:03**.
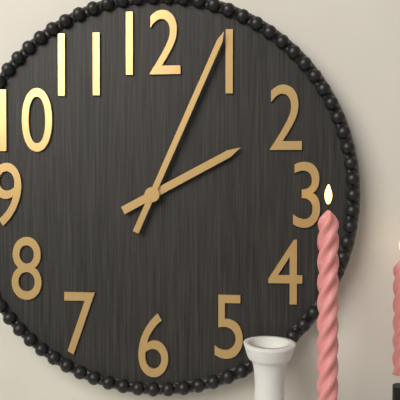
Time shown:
**2:04**
